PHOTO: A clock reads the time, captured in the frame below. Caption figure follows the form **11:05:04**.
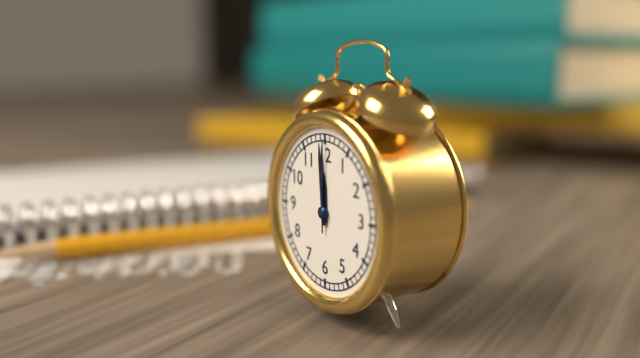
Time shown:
**11:59:00**
